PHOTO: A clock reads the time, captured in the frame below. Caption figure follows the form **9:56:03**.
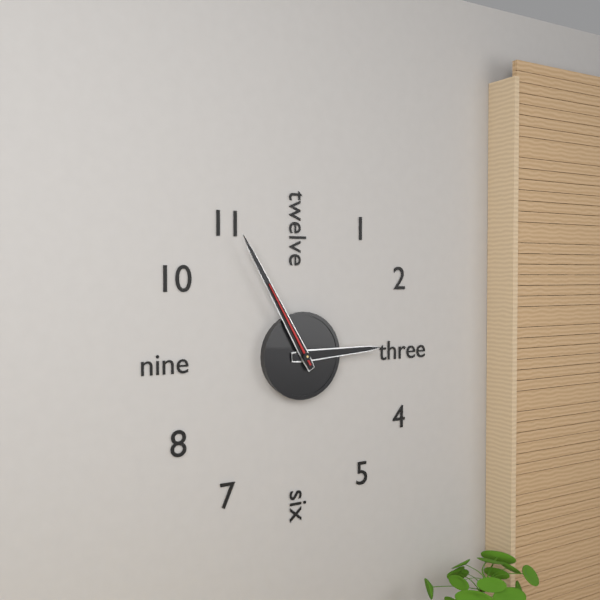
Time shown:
**2:55:55**
